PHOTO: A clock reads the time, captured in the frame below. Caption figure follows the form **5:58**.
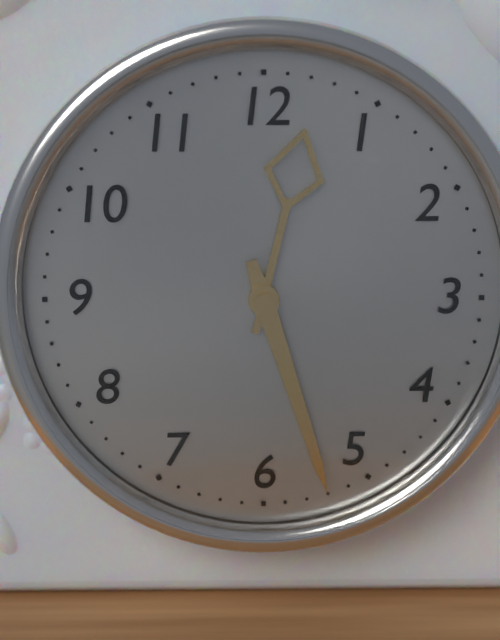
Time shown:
**12:27**
